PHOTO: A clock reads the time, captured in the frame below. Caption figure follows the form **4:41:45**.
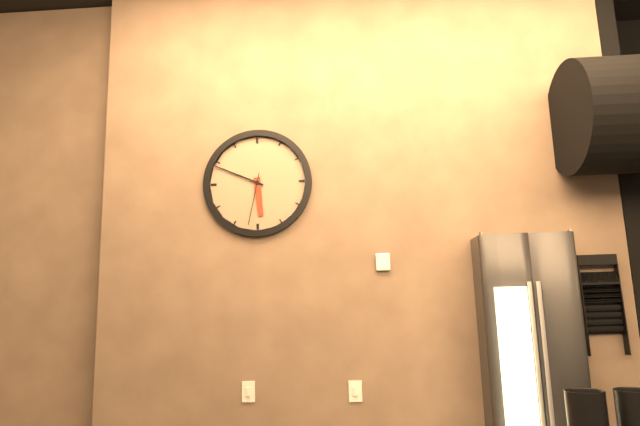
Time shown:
**5:49:32**
